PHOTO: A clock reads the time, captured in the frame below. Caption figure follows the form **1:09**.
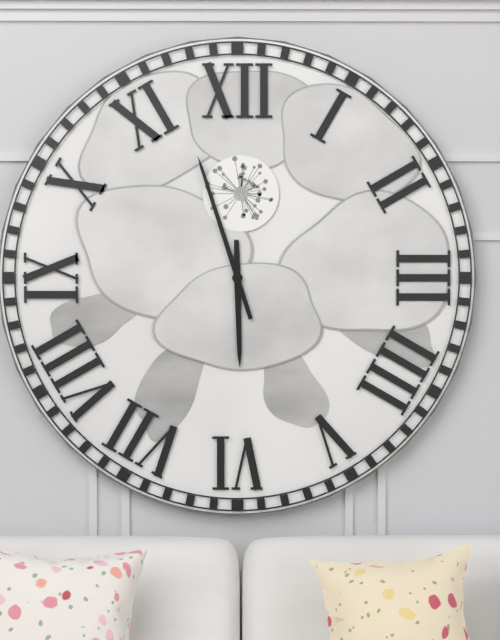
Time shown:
**5:57**
